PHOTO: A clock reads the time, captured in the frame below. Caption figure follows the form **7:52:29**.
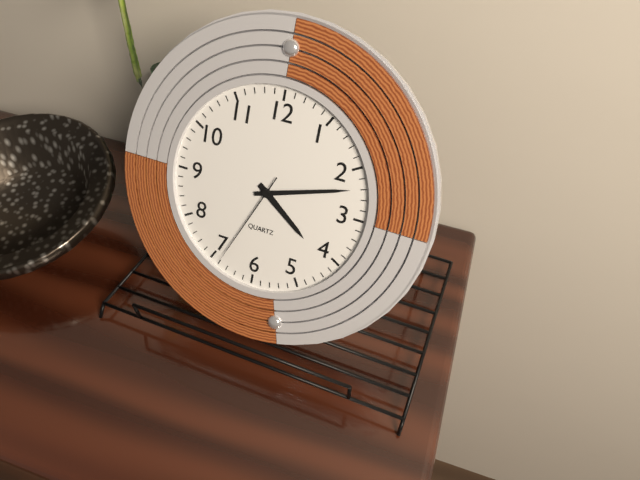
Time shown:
**4:12:34**
